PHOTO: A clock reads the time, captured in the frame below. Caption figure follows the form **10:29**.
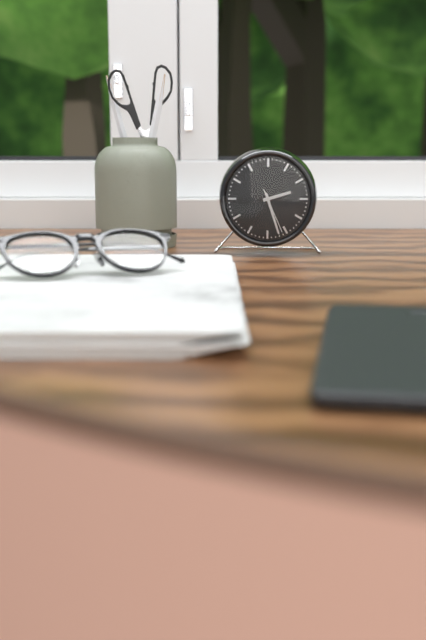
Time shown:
**2:27**
